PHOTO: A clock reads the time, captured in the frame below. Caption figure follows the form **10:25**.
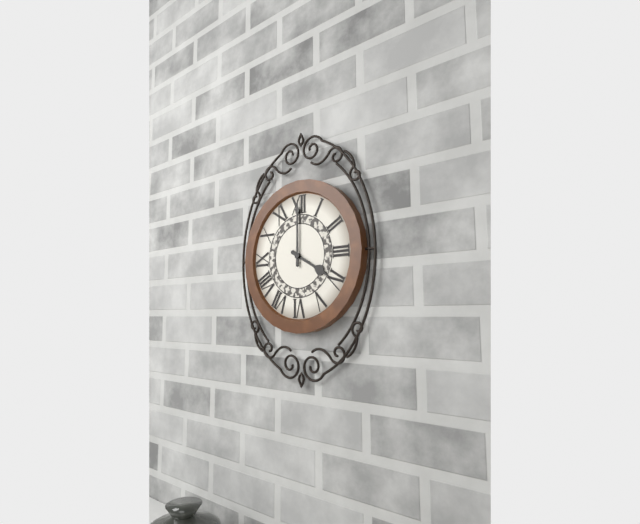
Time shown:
**4:00**
